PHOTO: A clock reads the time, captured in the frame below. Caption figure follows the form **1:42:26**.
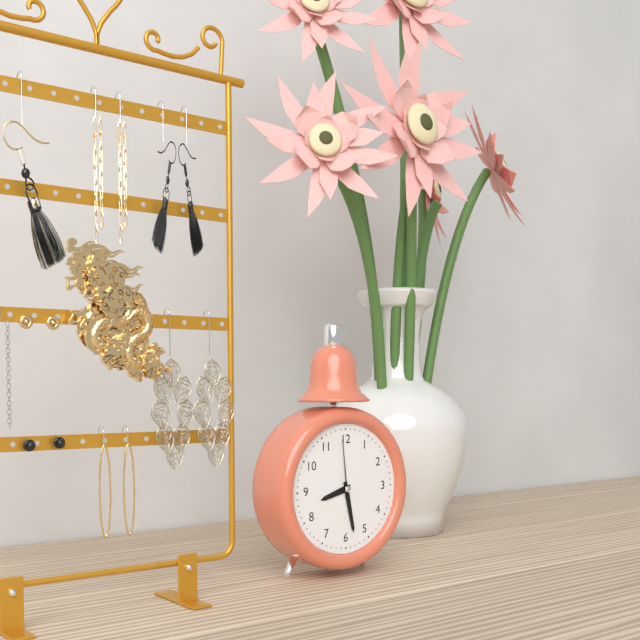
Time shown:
**8:28:59**
